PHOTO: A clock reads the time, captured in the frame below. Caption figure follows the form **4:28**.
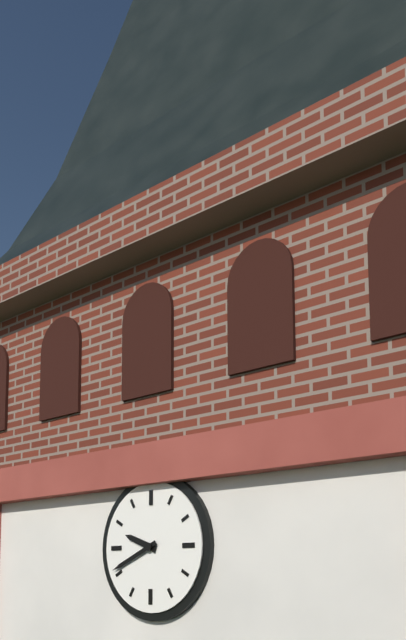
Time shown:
**9:41**
